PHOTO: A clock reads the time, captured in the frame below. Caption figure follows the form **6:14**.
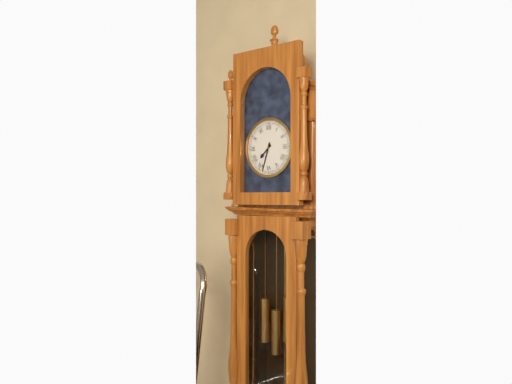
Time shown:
**7:33**
